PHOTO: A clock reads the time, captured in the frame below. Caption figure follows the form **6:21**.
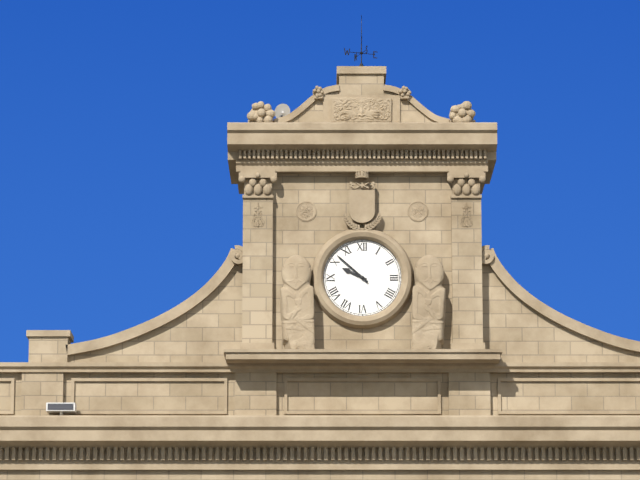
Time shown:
**9:52**
